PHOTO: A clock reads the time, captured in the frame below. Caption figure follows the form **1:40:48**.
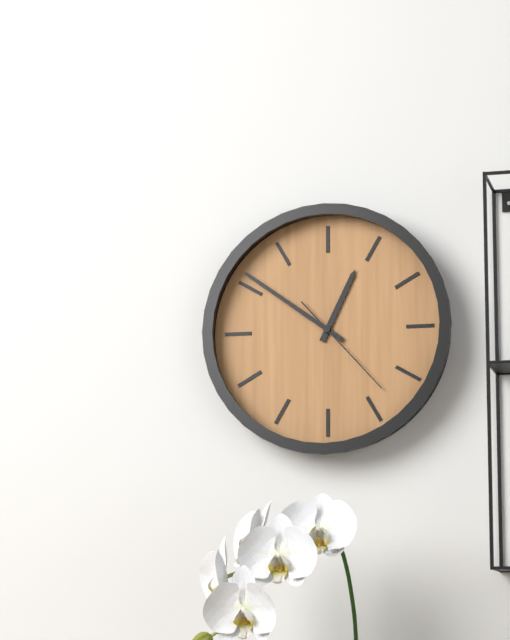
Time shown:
**12:51:23**
